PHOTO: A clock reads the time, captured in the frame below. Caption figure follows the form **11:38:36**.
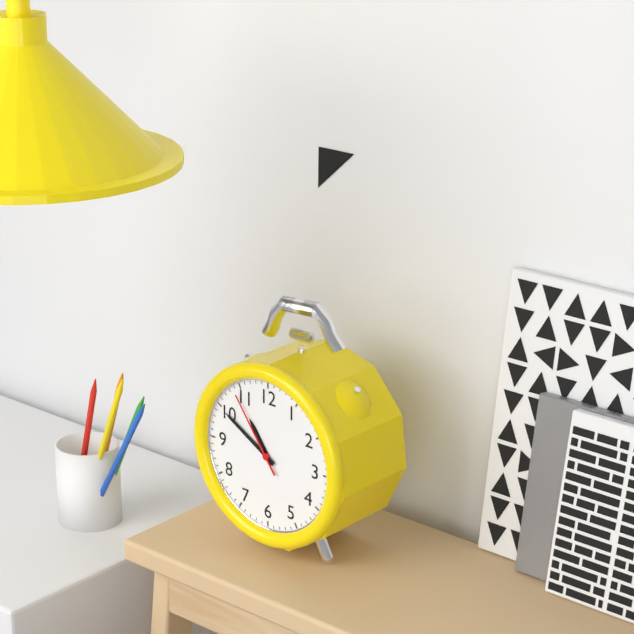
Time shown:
**10:50:54**
